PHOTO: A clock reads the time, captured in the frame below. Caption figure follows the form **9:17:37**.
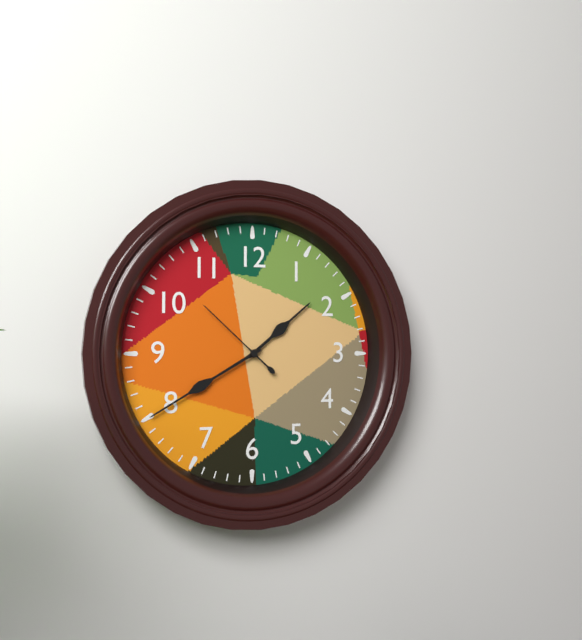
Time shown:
**1:40:52**
